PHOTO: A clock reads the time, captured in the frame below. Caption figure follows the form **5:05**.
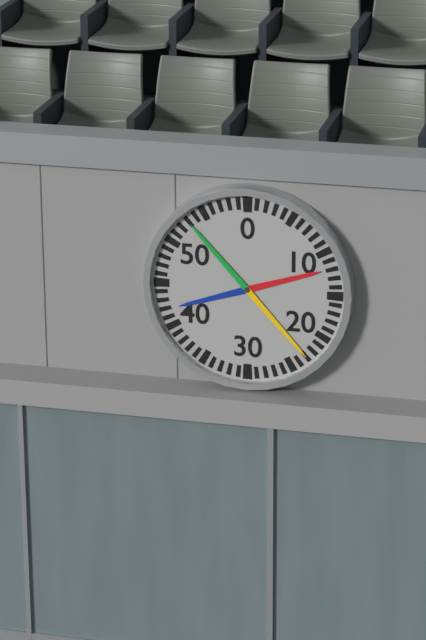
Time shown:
**2:23**
